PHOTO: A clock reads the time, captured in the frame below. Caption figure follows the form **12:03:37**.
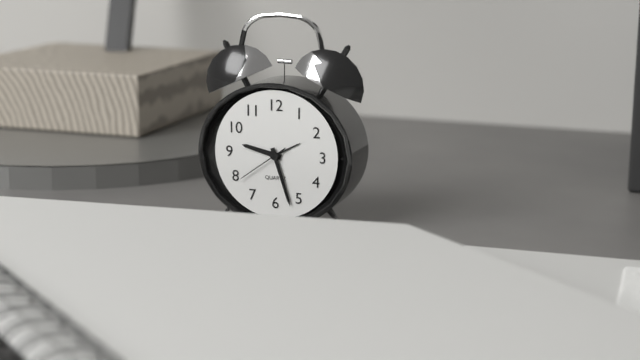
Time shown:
**9:27:39**
